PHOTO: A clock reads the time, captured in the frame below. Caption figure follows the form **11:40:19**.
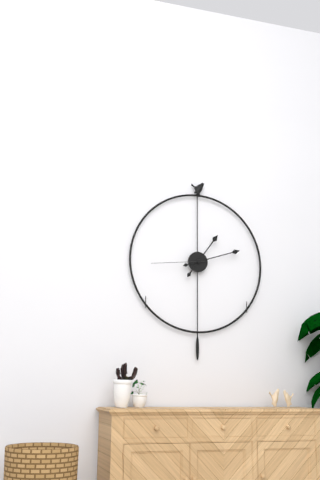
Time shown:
**1:12:44**
